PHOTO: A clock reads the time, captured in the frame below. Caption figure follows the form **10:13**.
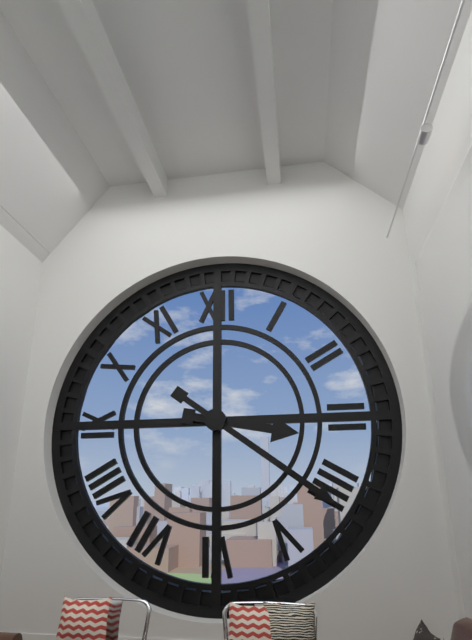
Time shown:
**3:21**
